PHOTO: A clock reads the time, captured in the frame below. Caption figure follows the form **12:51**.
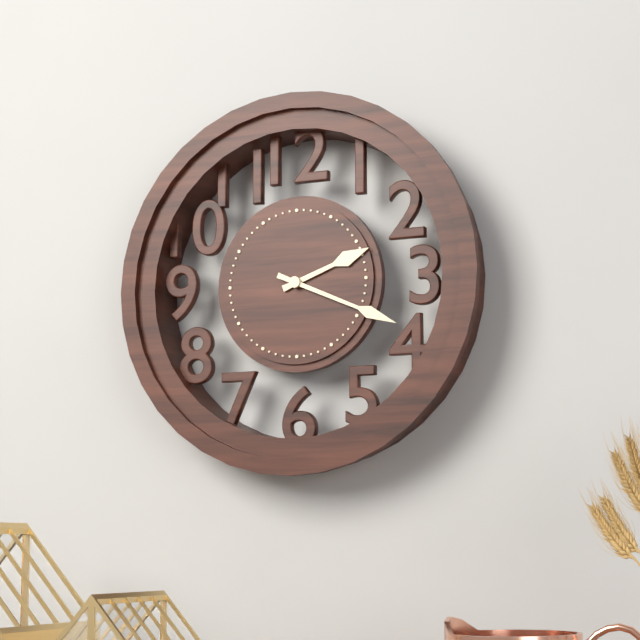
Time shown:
**2:19**
